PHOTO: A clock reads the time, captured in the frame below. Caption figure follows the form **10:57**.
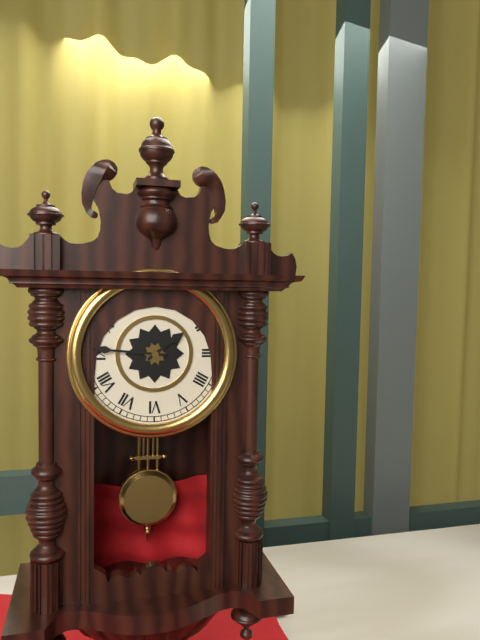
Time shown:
**1:46**
